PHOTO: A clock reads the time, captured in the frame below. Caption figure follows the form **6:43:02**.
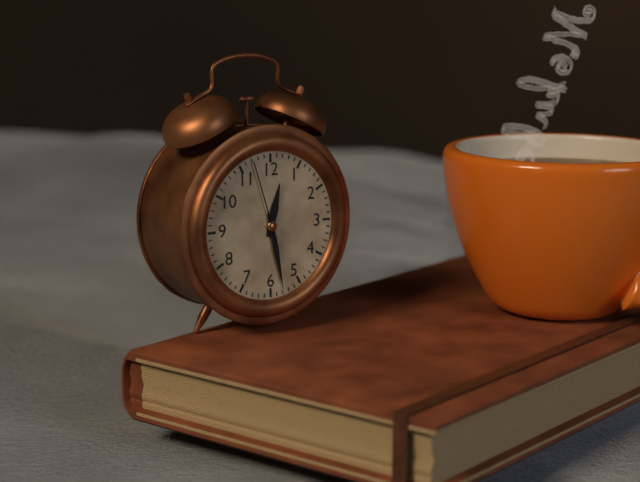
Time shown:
**12:28:57**
